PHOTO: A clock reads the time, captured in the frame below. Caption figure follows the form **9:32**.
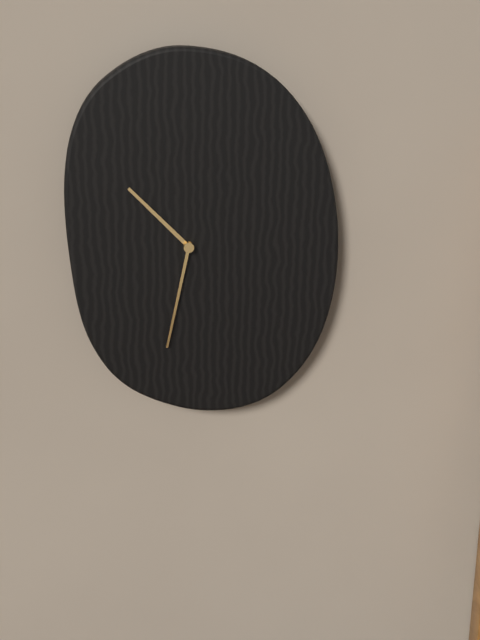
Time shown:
**10:32**
